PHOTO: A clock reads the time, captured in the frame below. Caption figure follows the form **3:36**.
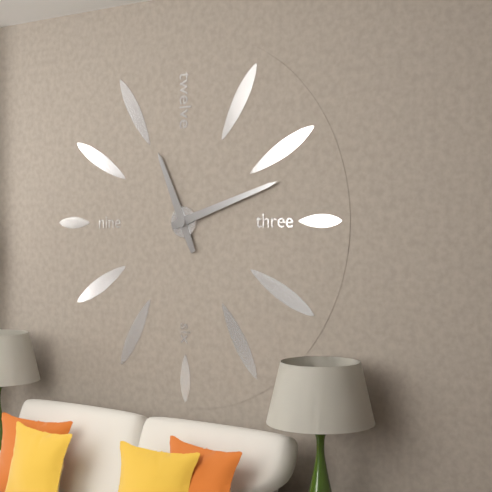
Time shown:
**11:12**
